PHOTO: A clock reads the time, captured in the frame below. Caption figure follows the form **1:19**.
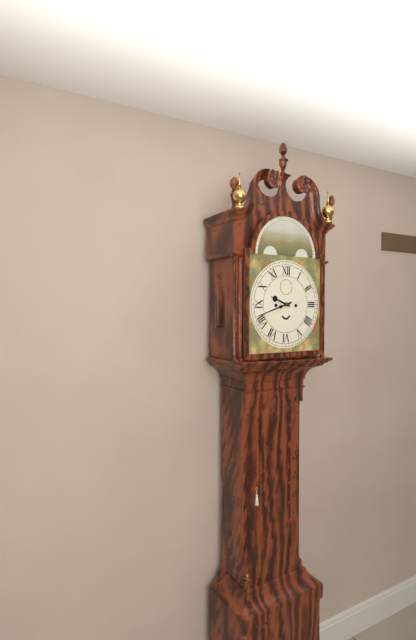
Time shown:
**9:42**
